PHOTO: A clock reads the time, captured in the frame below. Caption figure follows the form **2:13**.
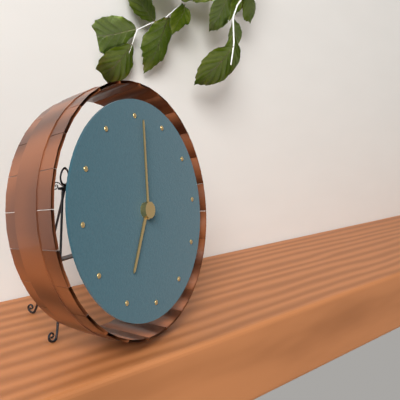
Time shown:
**7:01**
